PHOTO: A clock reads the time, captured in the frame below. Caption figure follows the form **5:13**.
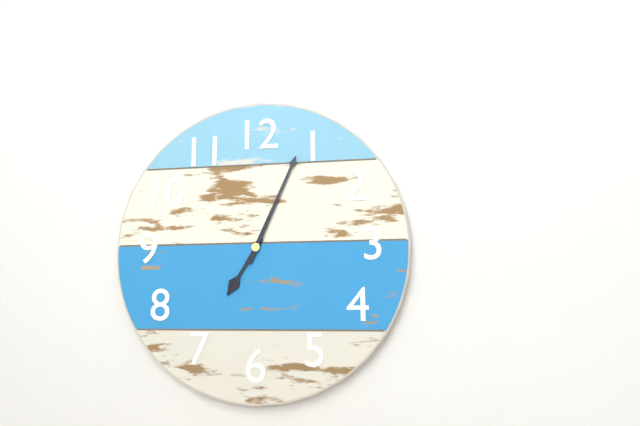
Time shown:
**7:04**
